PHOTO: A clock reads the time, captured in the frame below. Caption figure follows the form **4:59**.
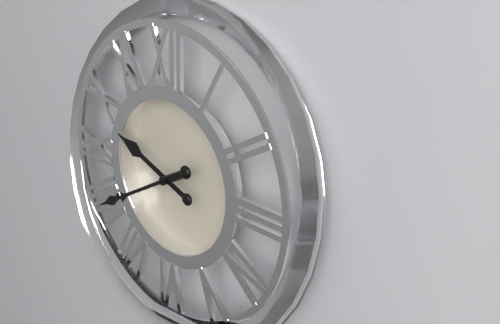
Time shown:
**9:40**
